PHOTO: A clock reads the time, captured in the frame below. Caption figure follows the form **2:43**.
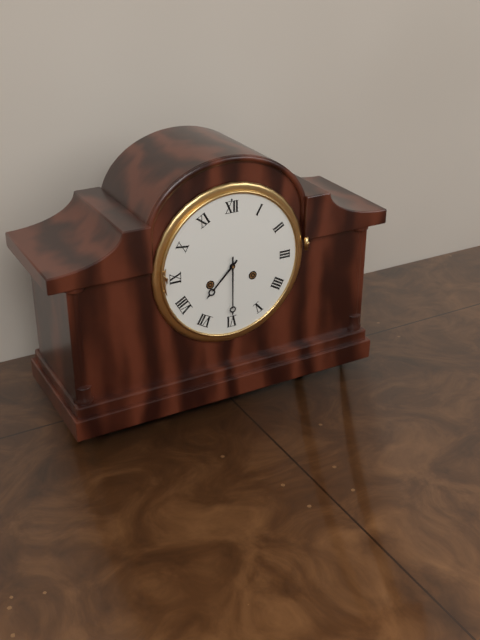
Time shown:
**7:30**
